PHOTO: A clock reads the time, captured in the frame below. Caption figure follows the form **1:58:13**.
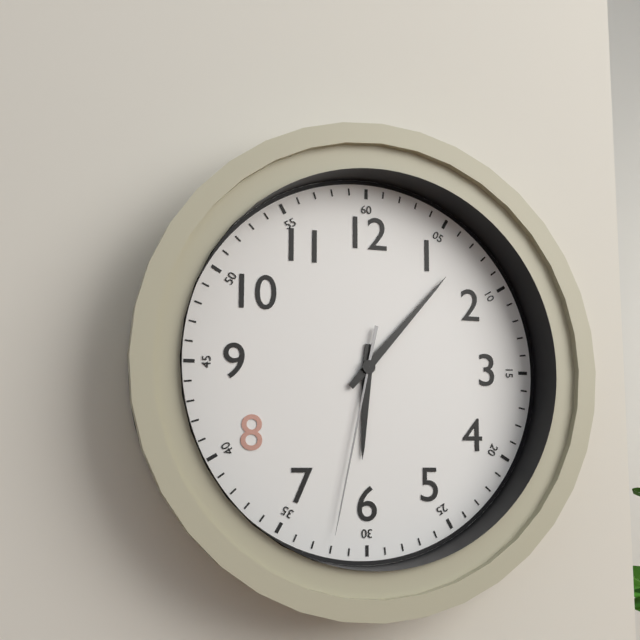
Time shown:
**6:07:32**
